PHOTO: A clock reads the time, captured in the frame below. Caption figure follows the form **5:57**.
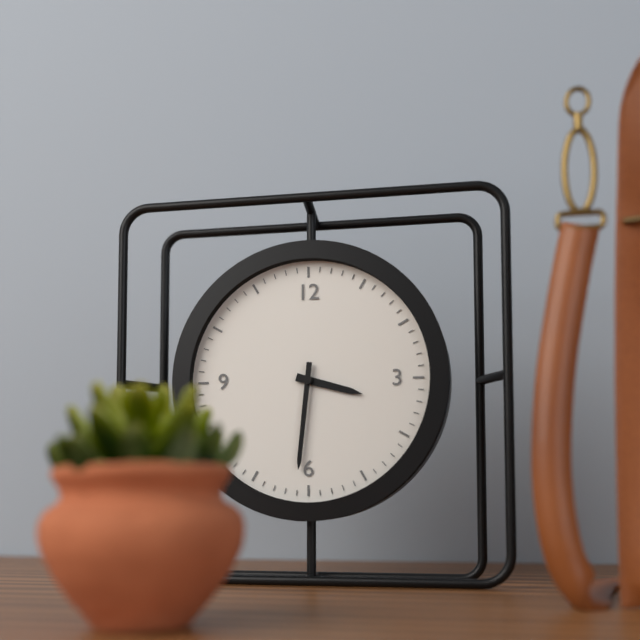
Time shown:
**3:31**
